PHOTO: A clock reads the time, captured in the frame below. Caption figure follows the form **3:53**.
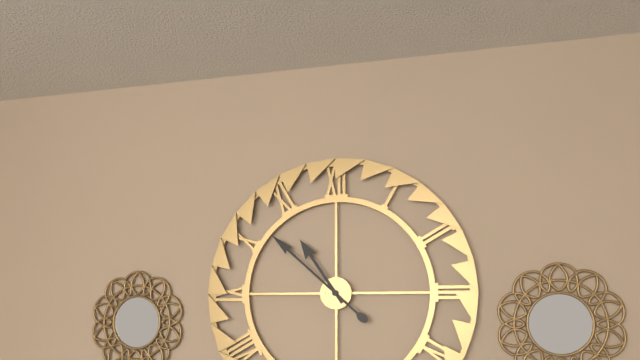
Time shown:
**10:52**
